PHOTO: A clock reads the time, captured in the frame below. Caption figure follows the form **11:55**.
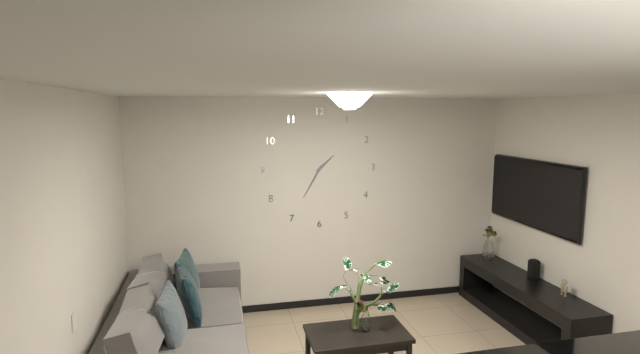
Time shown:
**1:35**
